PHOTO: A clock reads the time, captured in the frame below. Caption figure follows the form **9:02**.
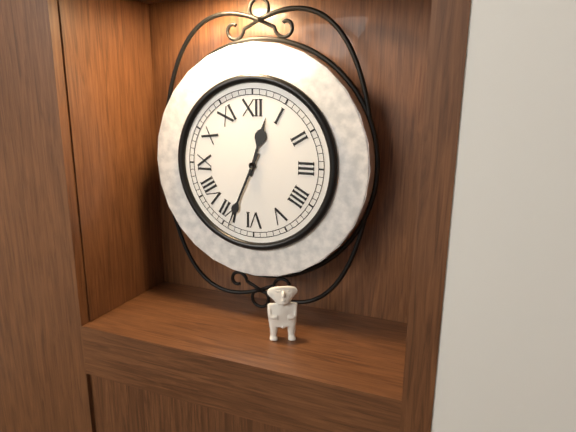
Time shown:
**12:34**
